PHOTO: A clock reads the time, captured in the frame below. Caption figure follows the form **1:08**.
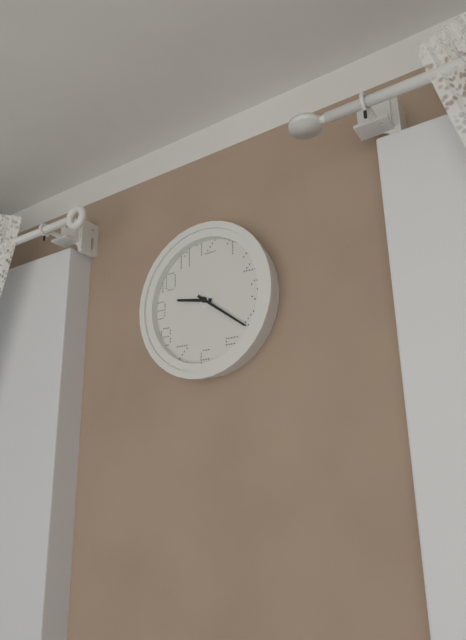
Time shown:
**9:21**
